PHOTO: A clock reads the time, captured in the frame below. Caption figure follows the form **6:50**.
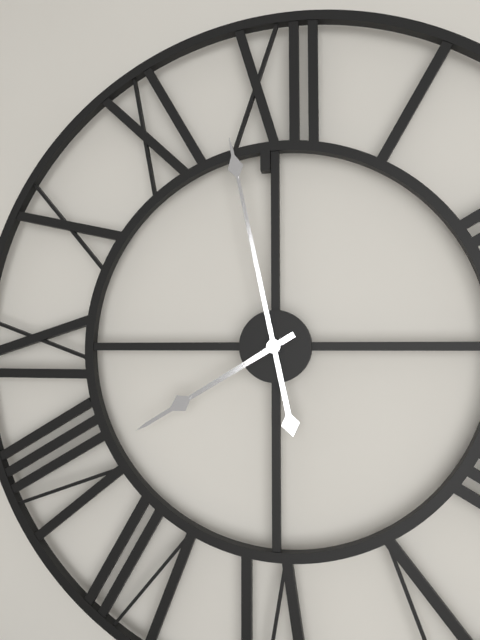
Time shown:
**7:58**
